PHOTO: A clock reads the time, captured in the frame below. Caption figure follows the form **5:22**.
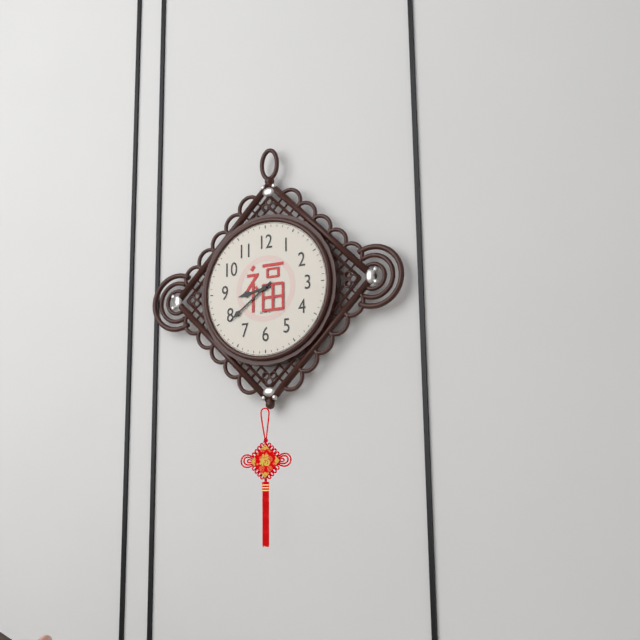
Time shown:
**8:39**
